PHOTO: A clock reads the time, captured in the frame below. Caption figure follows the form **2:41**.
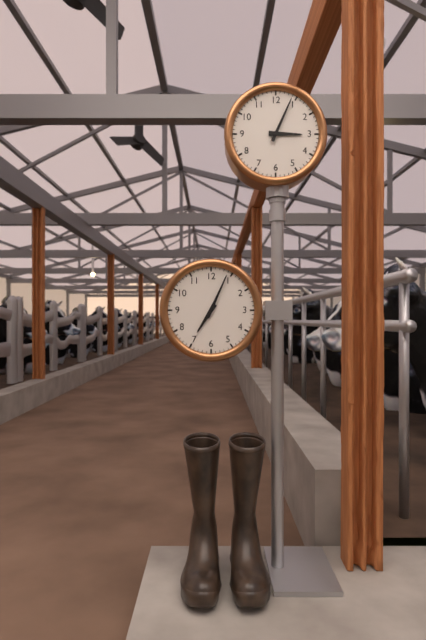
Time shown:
**3:04**
